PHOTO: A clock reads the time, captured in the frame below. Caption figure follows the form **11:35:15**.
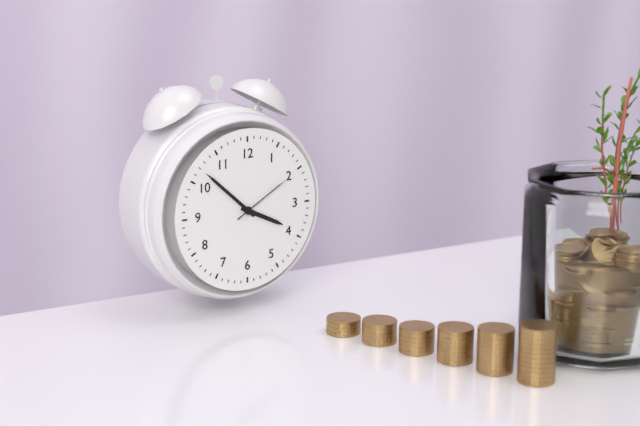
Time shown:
**3:52:10**
